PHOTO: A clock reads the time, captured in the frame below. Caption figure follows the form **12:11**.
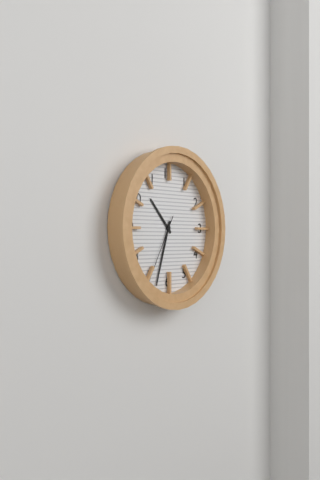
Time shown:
**10:33**
